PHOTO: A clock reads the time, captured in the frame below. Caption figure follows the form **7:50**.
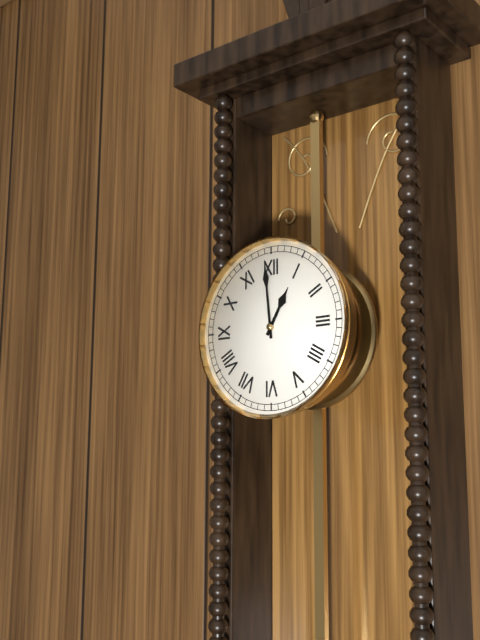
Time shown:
**12:59**
